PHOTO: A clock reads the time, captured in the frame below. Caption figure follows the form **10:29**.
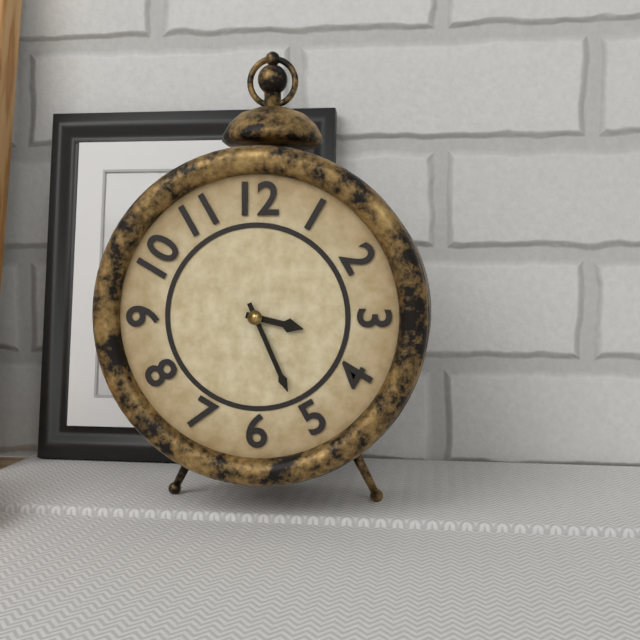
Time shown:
**3:26**
